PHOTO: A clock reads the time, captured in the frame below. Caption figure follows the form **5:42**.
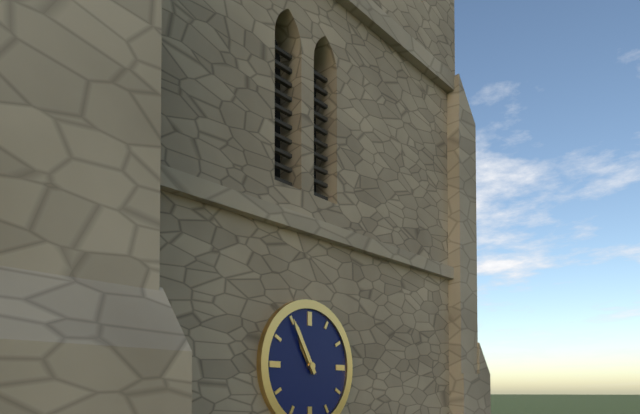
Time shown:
**10:55**
